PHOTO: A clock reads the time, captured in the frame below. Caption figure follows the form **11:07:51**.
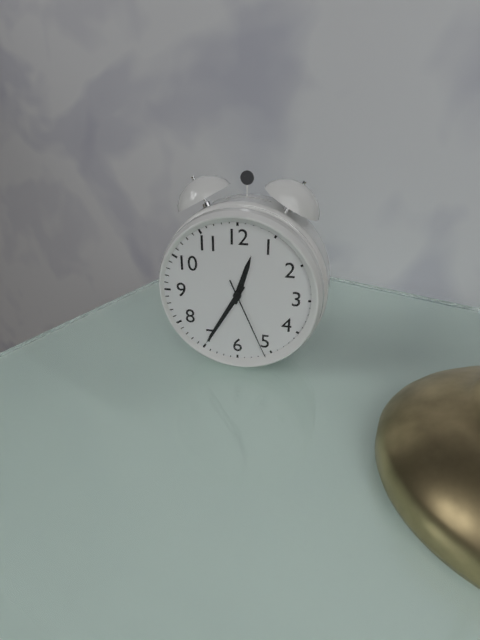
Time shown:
**12:35:26**
